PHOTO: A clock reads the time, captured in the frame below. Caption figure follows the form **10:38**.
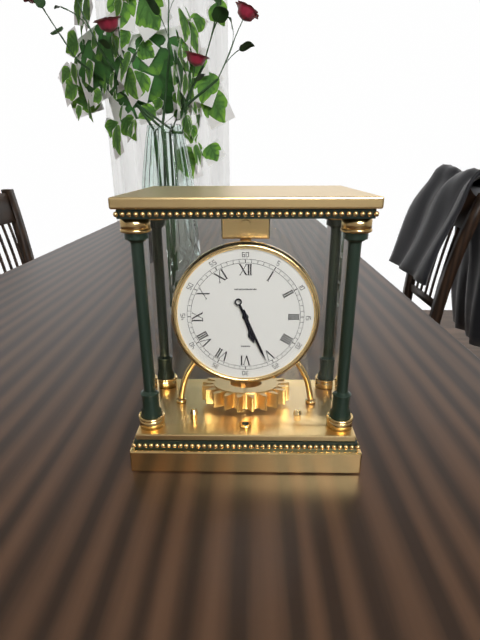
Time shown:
**5:26**
